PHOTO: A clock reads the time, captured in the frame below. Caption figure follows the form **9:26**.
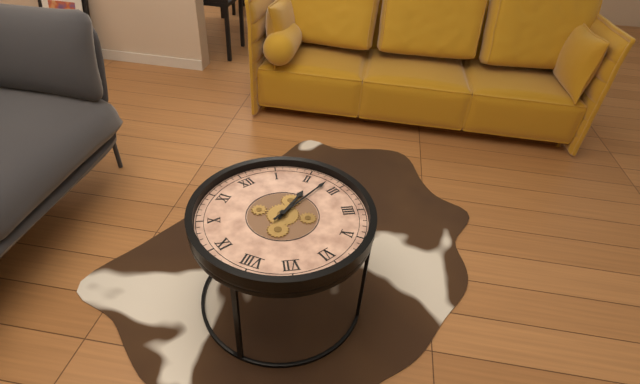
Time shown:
**2:13**
